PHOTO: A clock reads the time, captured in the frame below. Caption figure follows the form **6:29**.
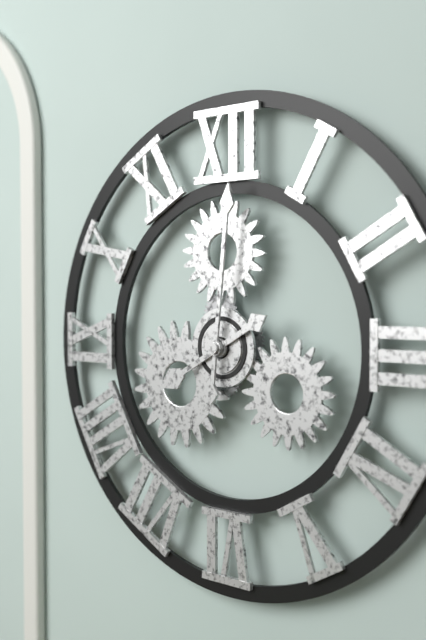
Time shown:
**8:01**
